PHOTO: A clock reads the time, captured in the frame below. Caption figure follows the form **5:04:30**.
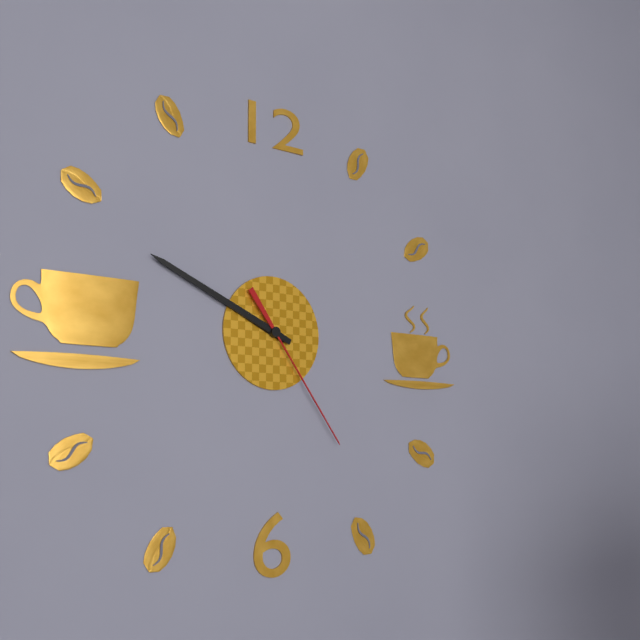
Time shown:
**9:49:24**
